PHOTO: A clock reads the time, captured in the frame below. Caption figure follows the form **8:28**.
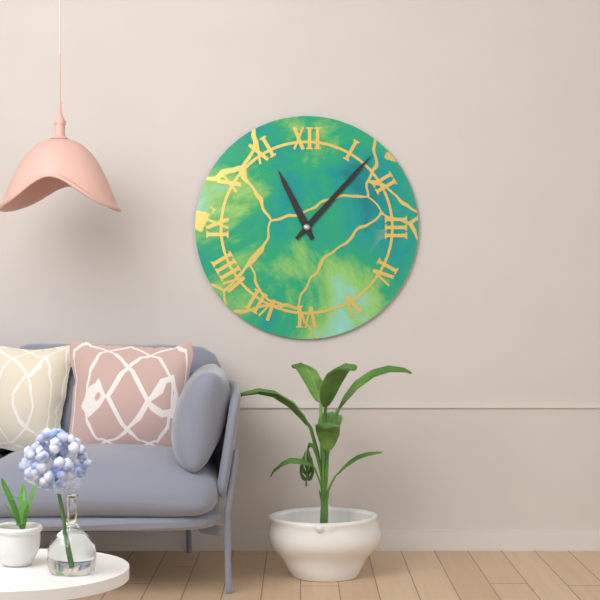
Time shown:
**11:07**
